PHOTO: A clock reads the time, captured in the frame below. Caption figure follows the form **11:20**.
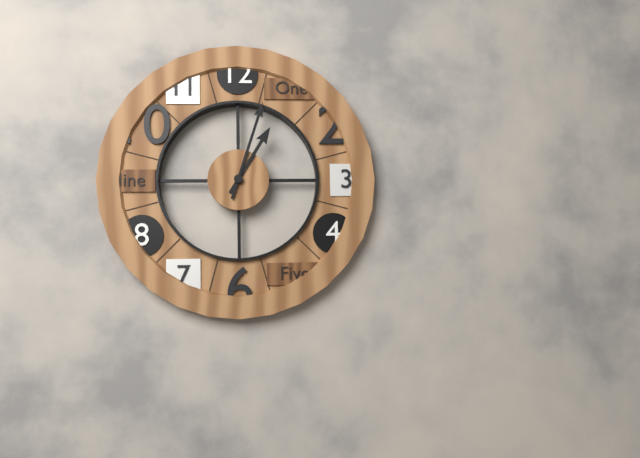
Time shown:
**1:03**
